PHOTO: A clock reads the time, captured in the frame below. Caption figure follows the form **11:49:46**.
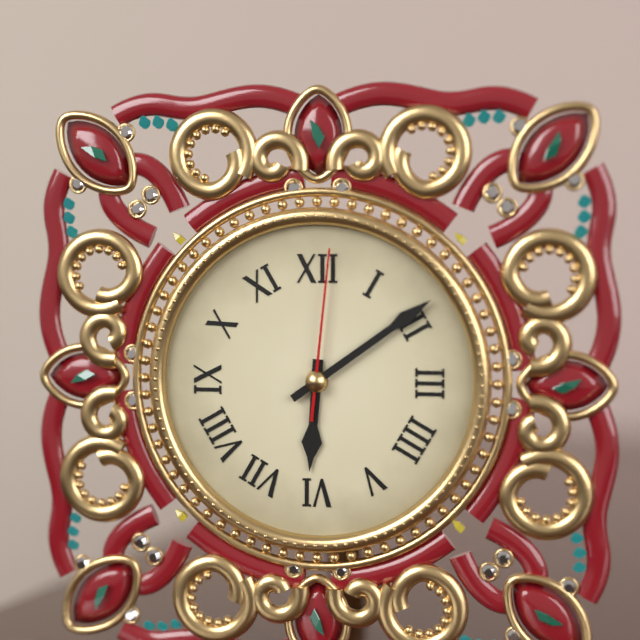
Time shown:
**6:09:01**
